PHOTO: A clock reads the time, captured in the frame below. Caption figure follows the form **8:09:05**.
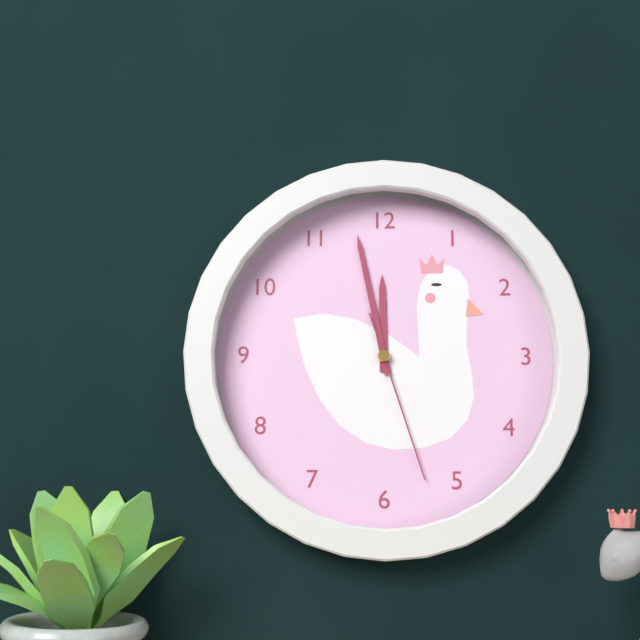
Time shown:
**11:58:27**
